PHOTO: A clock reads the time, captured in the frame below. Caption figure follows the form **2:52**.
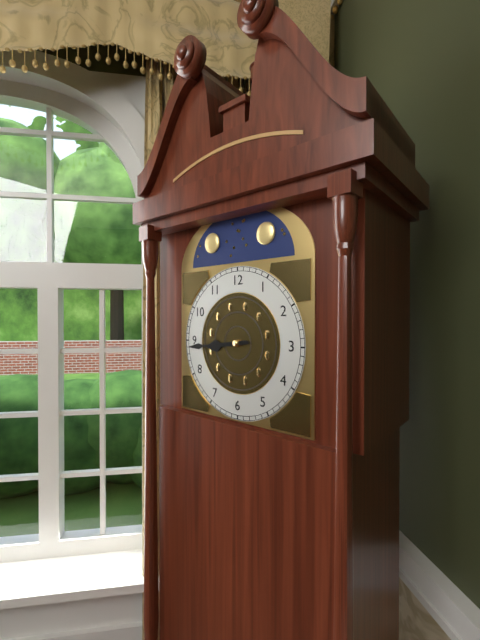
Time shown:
**8:44**
